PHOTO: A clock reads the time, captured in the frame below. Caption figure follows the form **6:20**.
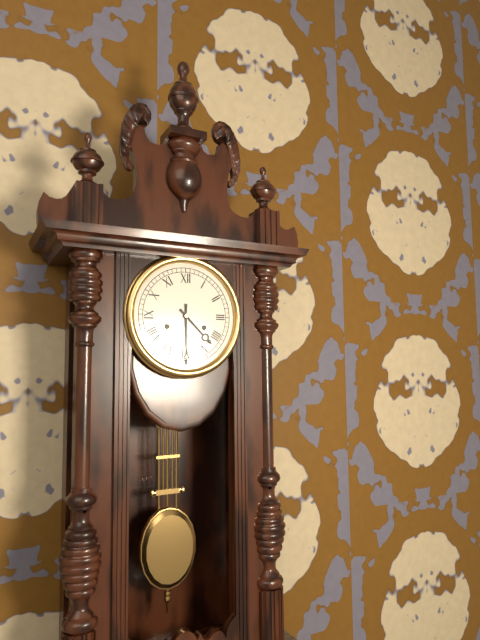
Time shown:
**4:30**
